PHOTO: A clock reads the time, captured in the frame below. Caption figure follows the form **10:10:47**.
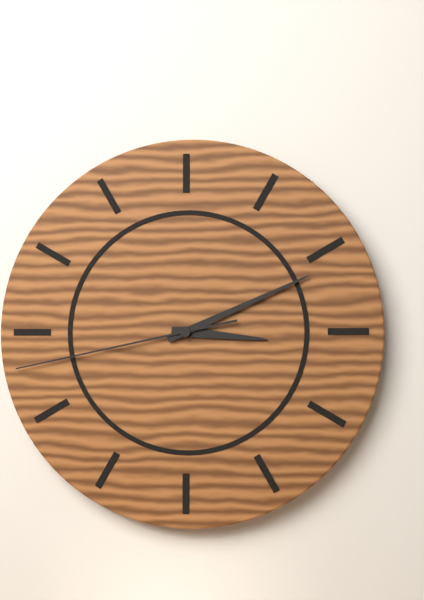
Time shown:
**3:11:43**
